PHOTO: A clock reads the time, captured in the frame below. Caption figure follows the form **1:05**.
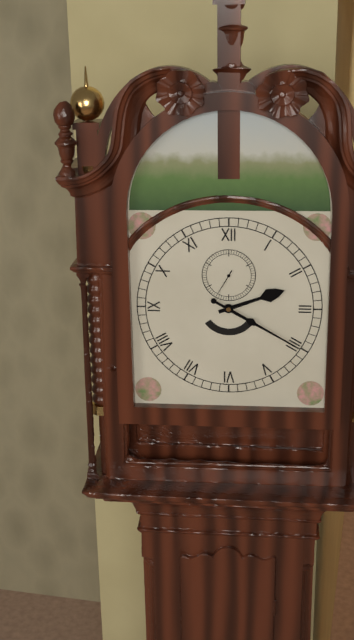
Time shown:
**2:20**
